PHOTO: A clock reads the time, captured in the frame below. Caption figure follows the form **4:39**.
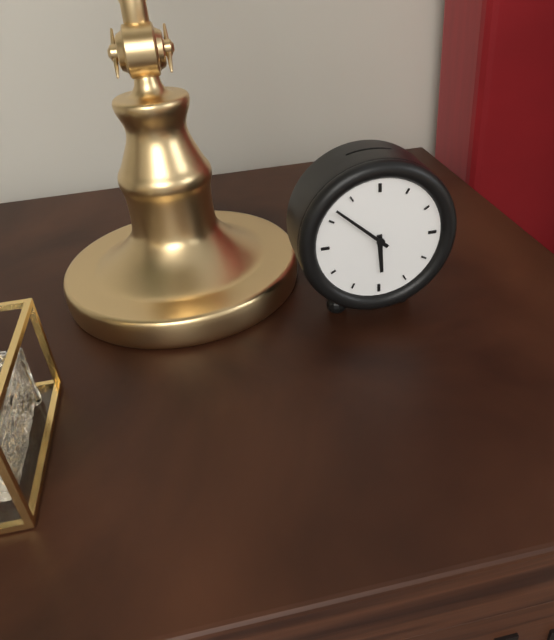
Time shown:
**5:52**
